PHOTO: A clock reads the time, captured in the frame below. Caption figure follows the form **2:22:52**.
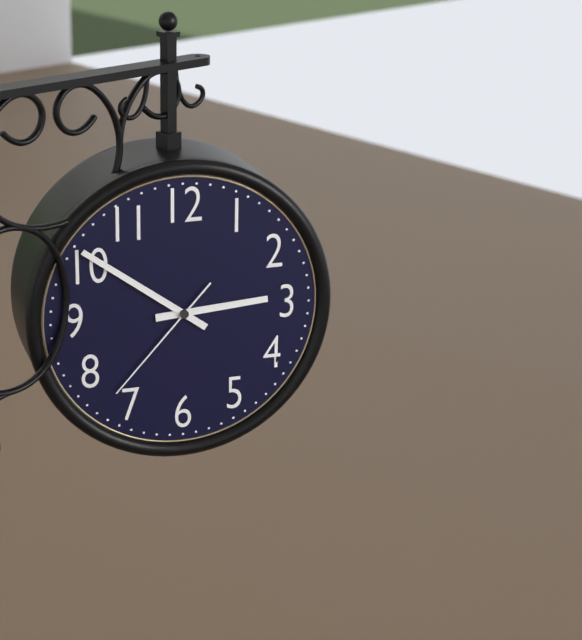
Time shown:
**2:51:37**
